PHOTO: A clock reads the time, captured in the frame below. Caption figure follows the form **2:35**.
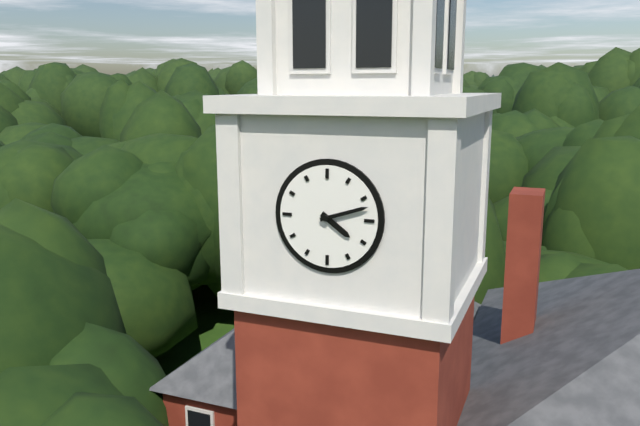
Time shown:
**4:12**
